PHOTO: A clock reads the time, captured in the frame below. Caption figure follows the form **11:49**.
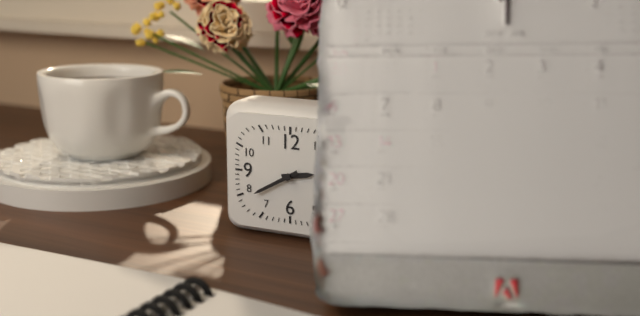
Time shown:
**2:40**
